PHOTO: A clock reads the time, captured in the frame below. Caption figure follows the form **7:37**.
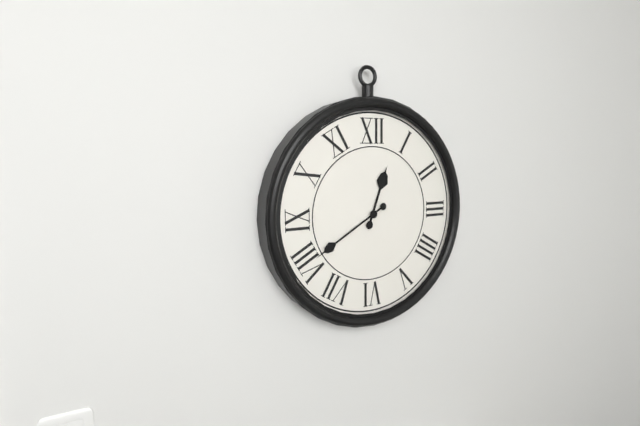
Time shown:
**12:40**
